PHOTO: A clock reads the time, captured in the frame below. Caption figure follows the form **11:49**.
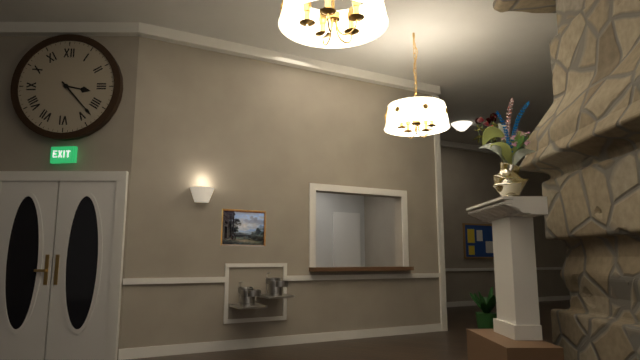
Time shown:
**3:23**
